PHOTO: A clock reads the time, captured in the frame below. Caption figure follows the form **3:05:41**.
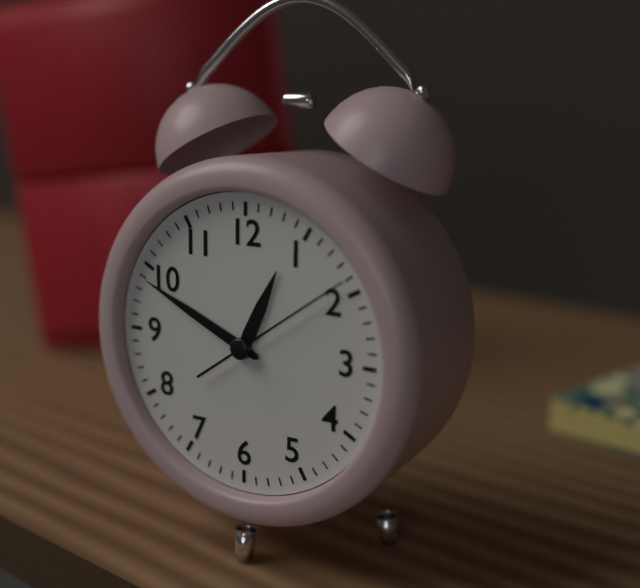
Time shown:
**12:49:09**
